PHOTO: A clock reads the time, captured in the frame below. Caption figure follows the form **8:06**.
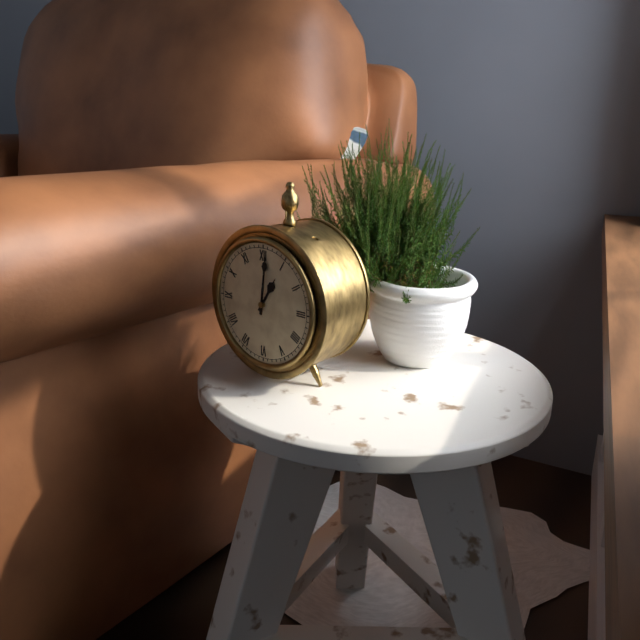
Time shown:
**1:01**
